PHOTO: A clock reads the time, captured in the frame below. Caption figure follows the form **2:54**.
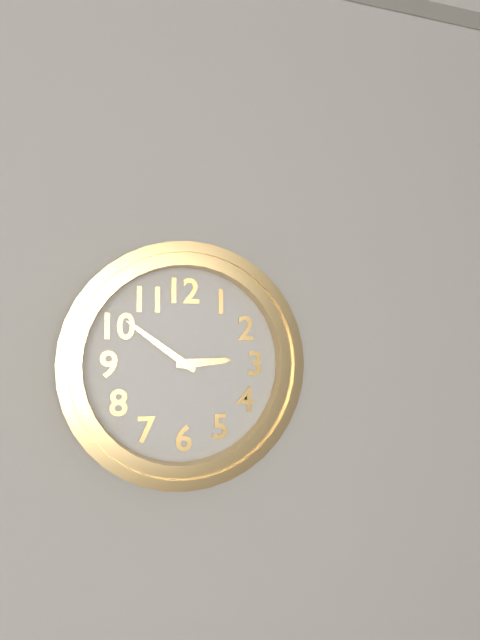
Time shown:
**2:51**
